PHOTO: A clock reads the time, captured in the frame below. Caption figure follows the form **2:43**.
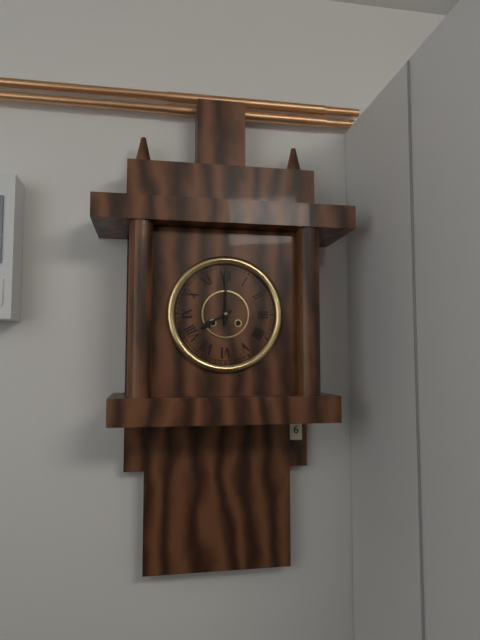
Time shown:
**8:00**
